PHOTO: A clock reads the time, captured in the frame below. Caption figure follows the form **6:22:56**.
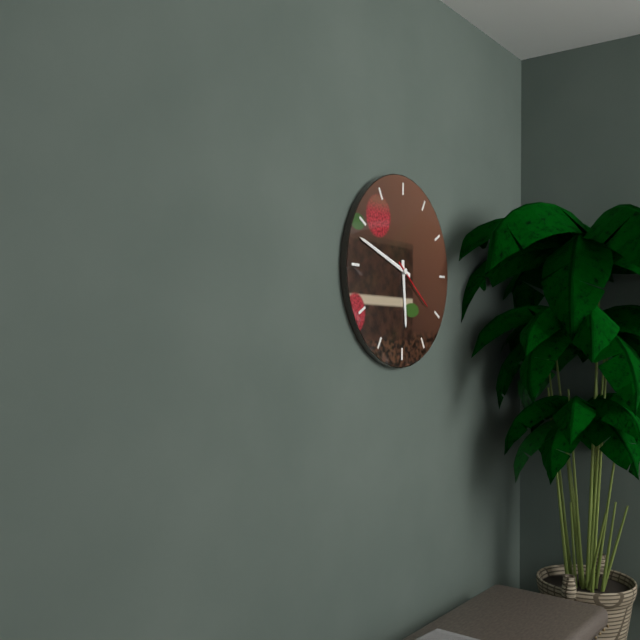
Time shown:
**5:48:21**
